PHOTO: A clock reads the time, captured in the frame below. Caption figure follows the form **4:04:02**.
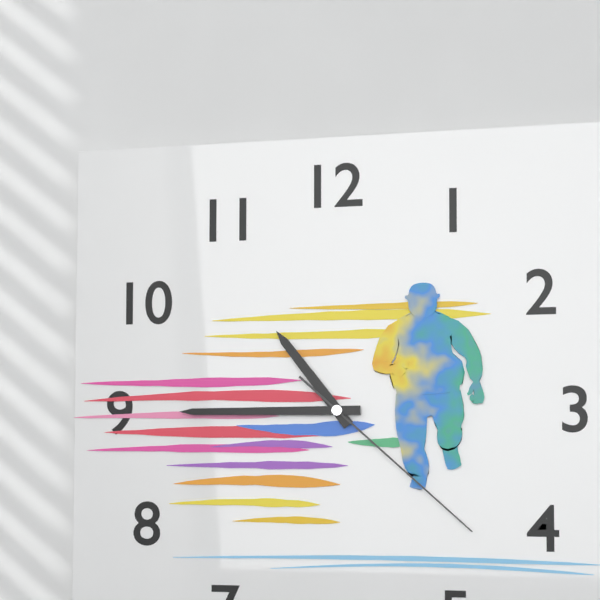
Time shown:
**10:45:22**
